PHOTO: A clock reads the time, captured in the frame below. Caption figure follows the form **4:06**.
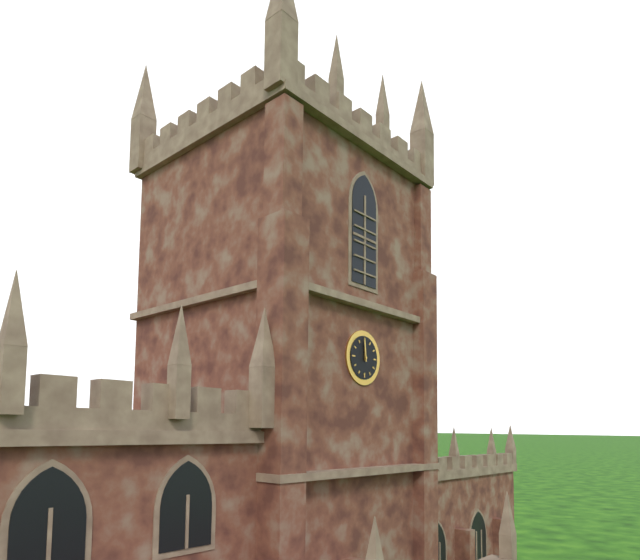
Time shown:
**11:59**
